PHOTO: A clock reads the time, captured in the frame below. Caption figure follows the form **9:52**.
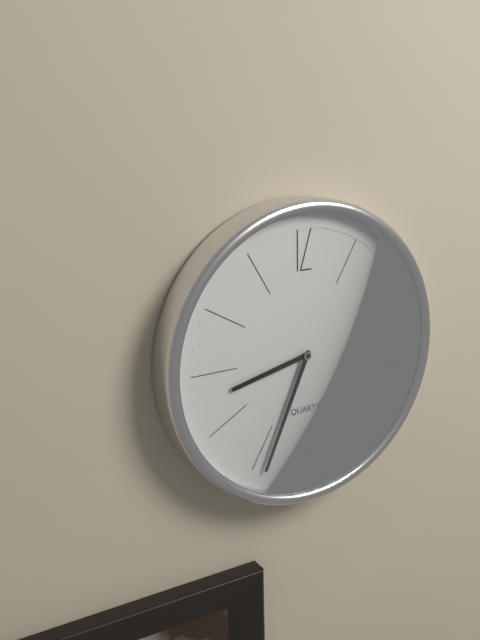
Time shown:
**8:34**
